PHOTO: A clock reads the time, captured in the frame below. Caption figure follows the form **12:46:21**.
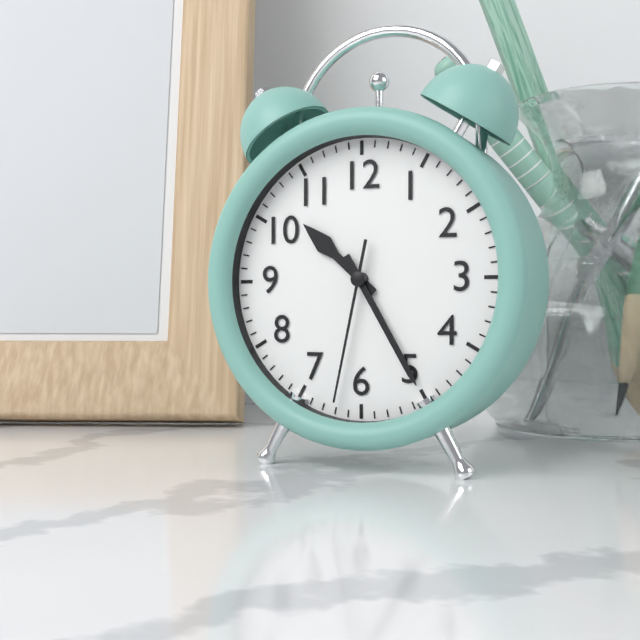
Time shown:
**10:25:32**
